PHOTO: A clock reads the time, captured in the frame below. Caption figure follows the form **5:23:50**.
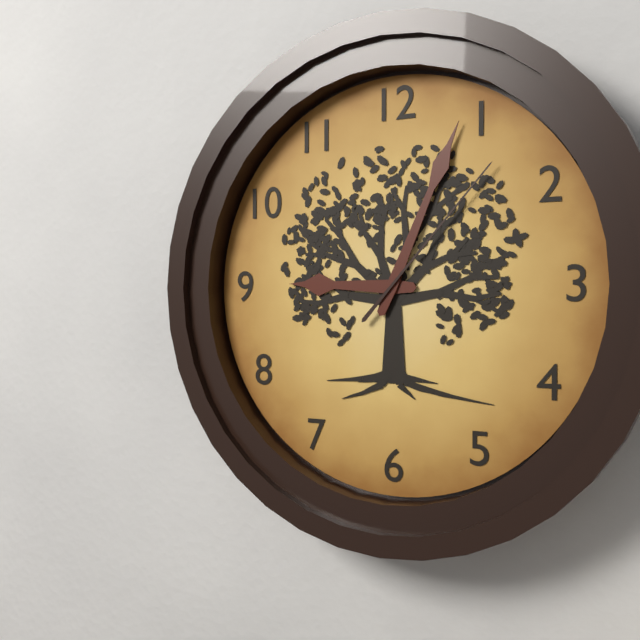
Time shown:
**9:04:07**
